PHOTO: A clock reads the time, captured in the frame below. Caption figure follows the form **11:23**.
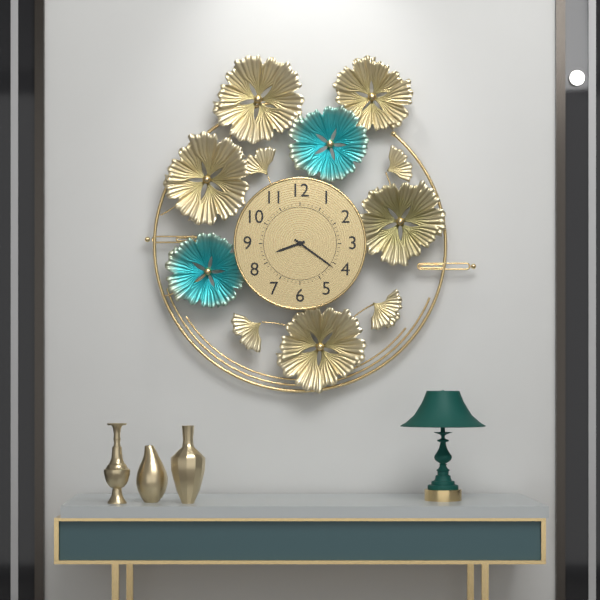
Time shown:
**8:21**
